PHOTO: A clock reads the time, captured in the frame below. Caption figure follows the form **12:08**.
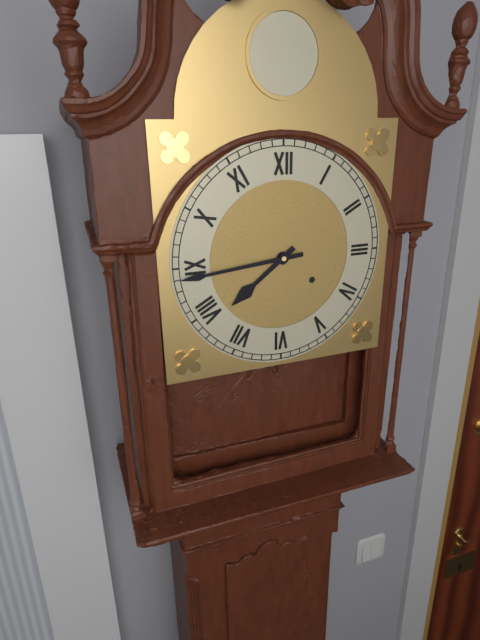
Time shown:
**7:44**
